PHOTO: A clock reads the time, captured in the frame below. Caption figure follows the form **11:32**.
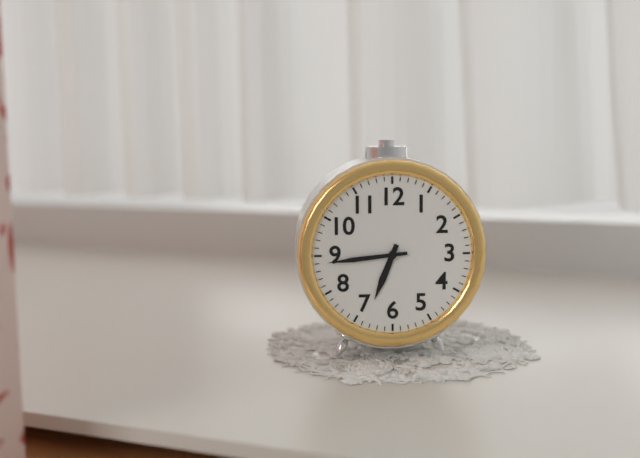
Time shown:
**6:44**
